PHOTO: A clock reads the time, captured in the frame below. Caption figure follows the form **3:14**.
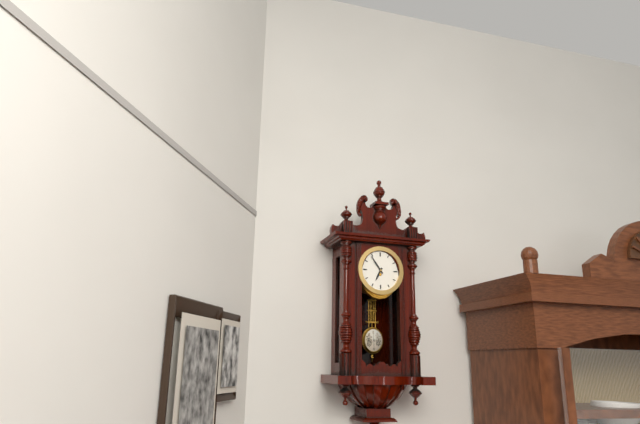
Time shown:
**6:54**
